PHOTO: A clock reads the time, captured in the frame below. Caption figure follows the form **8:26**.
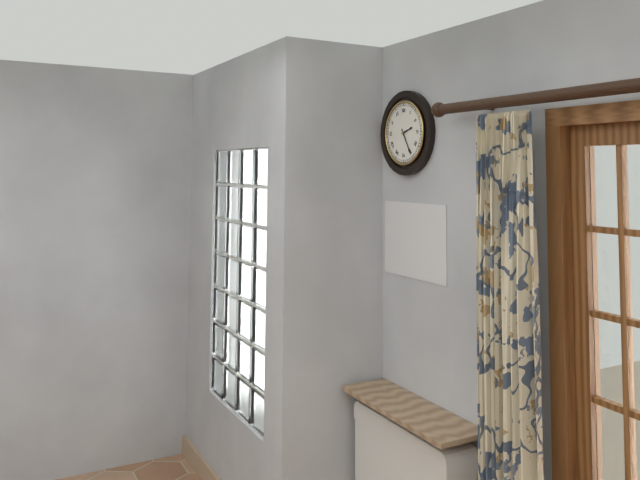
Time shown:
**2:25**
